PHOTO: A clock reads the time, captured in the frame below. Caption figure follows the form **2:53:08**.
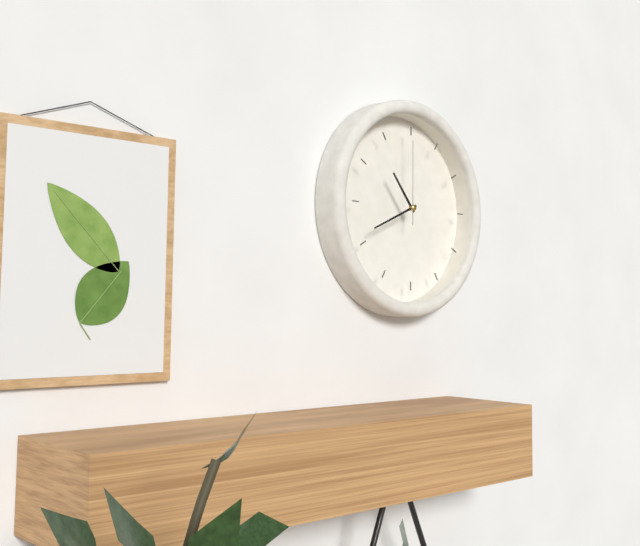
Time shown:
**10:41:00**
